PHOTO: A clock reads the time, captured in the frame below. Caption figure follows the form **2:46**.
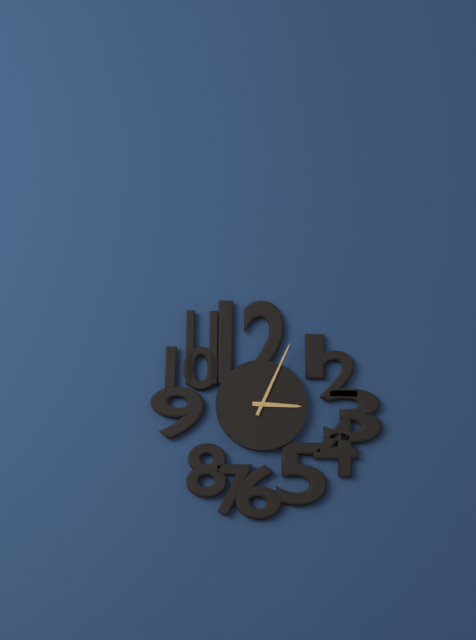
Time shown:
**3:04**
